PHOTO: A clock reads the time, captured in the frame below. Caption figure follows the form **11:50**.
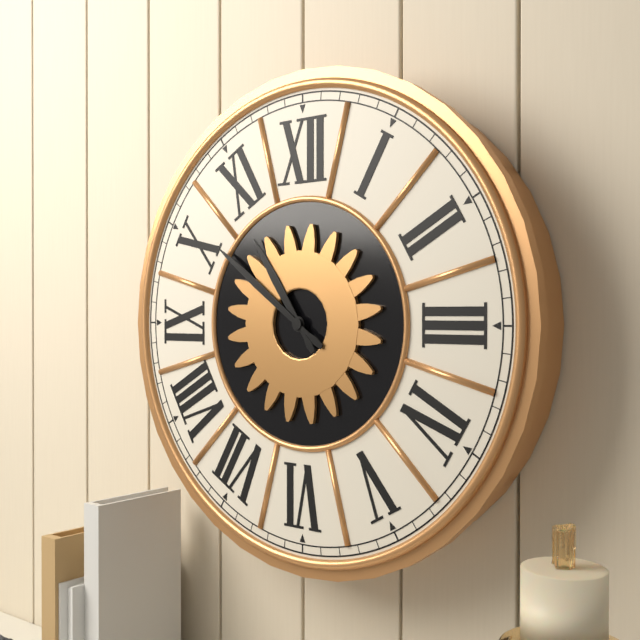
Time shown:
**10:51**
